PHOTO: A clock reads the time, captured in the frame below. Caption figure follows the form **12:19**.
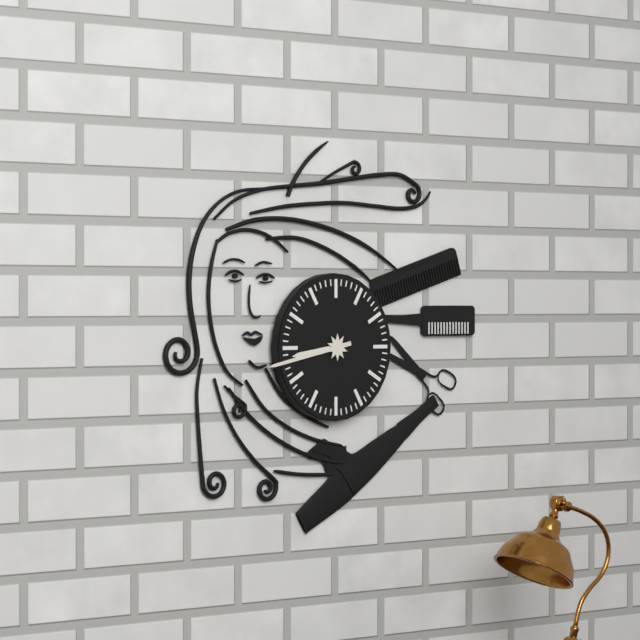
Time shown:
**8:43**
